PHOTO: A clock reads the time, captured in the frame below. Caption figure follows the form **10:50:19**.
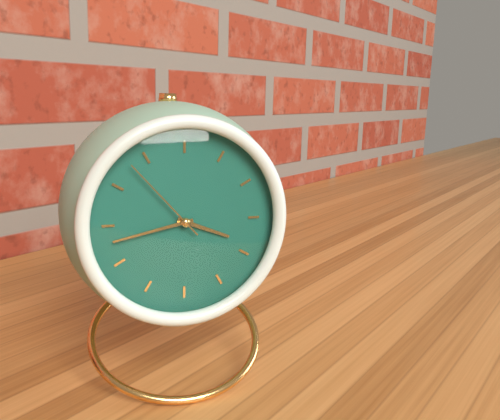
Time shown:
**3:43:53**
